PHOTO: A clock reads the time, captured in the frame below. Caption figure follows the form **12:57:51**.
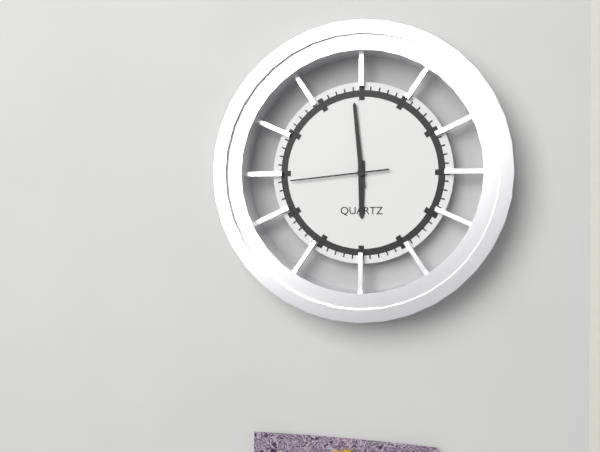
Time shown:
**5:59:44**
